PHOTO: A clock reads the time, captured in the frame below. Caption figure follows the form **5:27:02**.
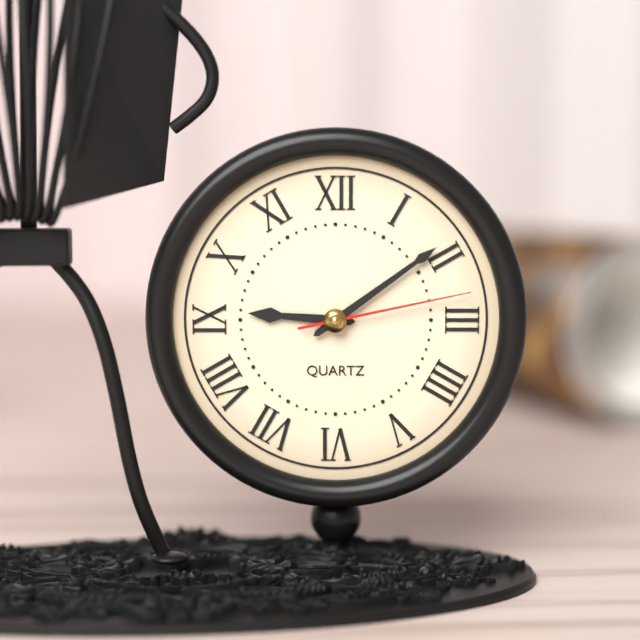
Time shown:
**9:09:13**
